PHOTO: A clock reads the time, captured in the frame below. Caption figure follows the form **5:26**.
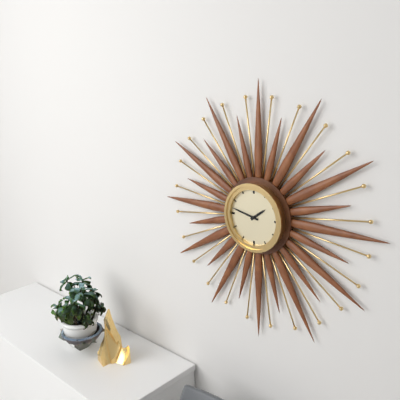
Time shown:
**1:47**
